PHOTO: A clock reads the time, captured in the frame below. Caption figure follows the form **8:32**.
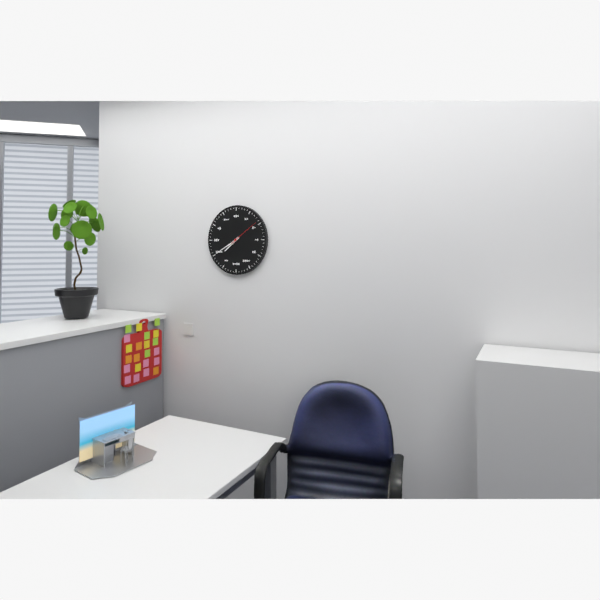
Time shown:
**7:40**
